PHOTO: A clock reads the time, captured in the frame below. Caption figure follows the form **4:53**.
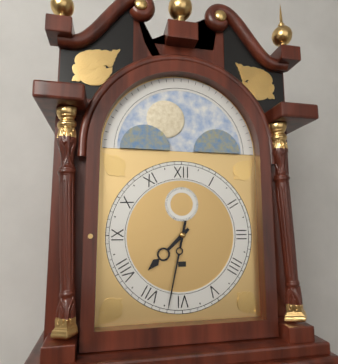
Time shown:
**7:32**
